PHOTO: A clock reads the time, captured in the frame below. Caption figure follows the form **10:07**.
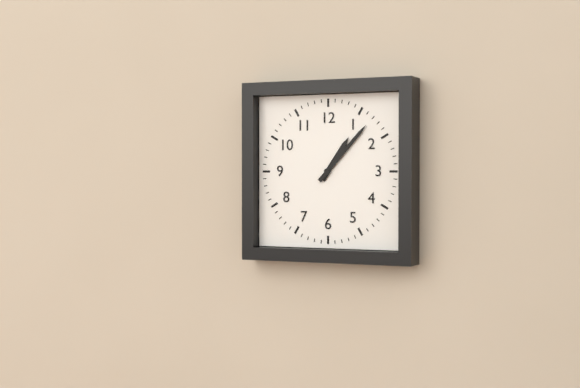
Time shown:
**1:07**
